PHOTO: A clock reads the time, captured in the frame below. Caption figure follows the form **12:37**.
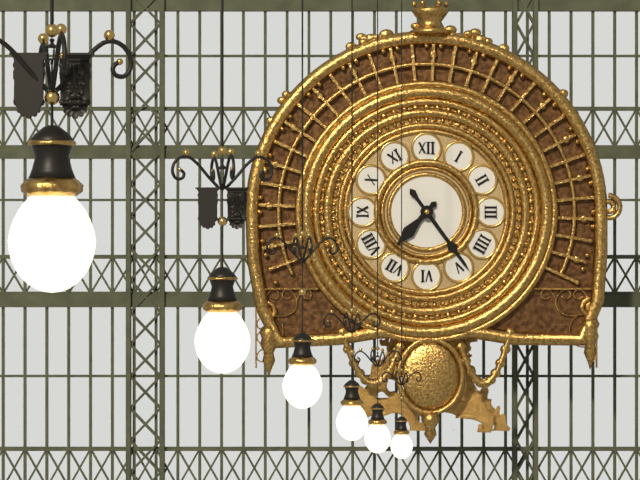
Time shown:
**7:24**
